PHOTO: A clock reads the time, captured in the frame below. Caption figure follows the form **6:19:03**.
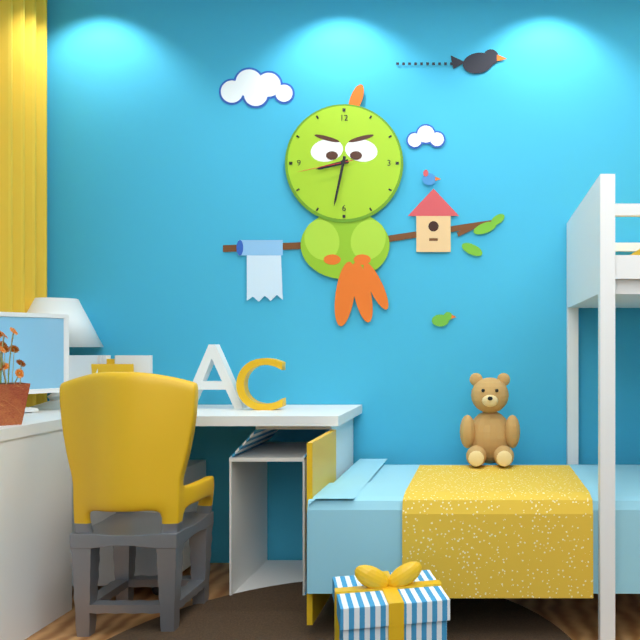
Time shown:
**8:32:43**
